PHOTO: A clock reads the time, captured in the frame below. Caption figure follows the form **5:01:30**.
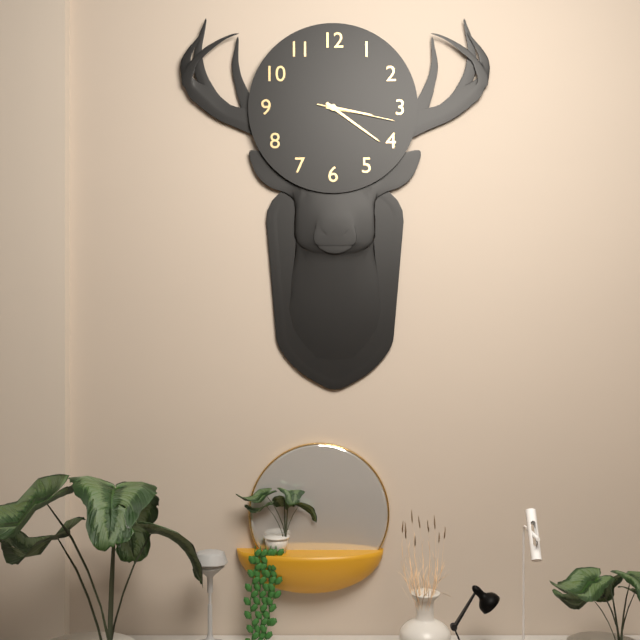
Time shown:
**3:21:17**
